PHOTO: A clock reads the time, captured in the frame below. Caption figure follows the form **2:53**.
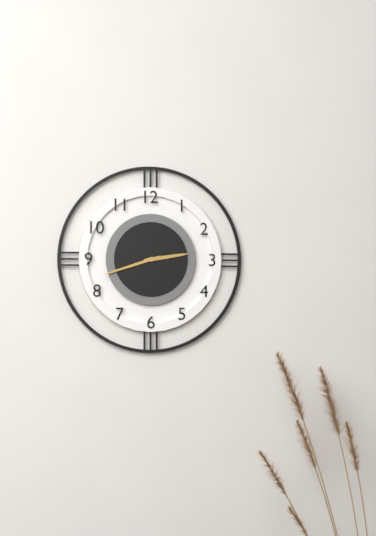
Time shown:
**2:42**
